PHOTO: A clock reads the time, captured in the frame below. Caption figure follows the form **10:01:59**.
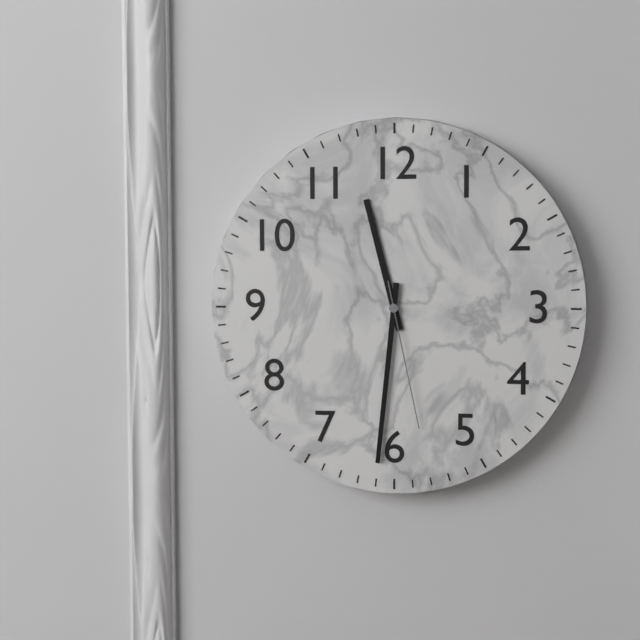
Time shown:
**11:31:28**
